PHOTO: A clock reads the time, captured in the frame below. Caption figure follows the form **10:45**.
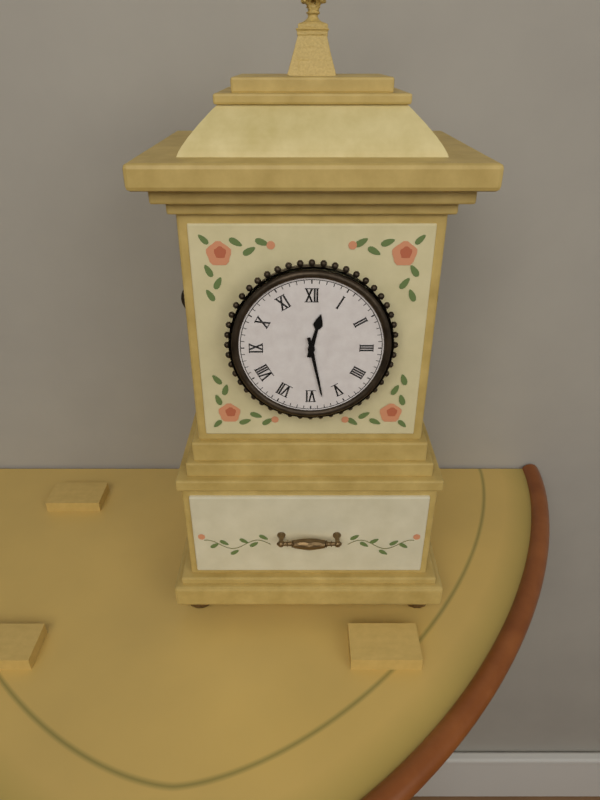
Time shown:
**12:28**
